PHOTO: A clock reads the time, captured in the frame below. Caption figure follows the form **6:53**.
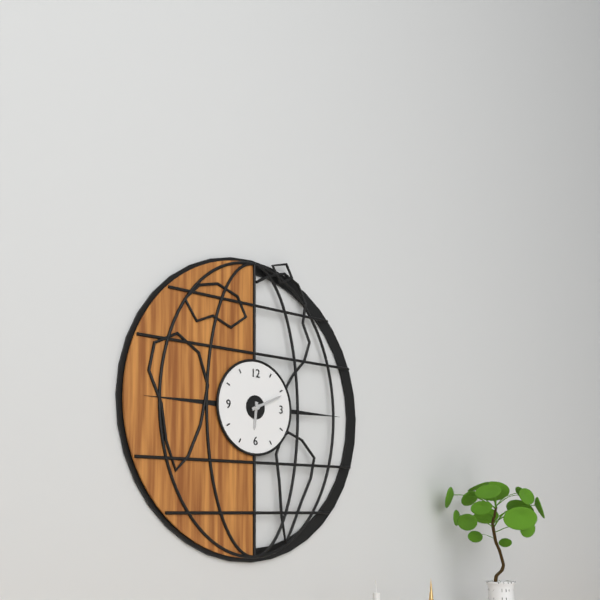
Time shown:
**6:11**
